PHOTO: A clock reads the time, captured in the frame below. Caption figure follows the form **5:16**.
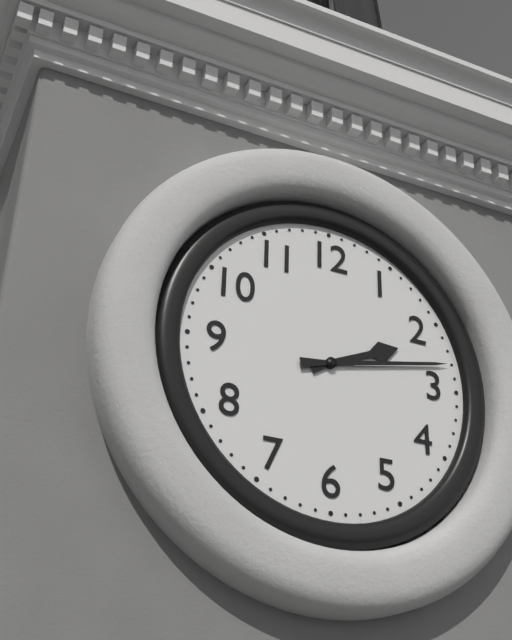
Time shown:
**2:13**
